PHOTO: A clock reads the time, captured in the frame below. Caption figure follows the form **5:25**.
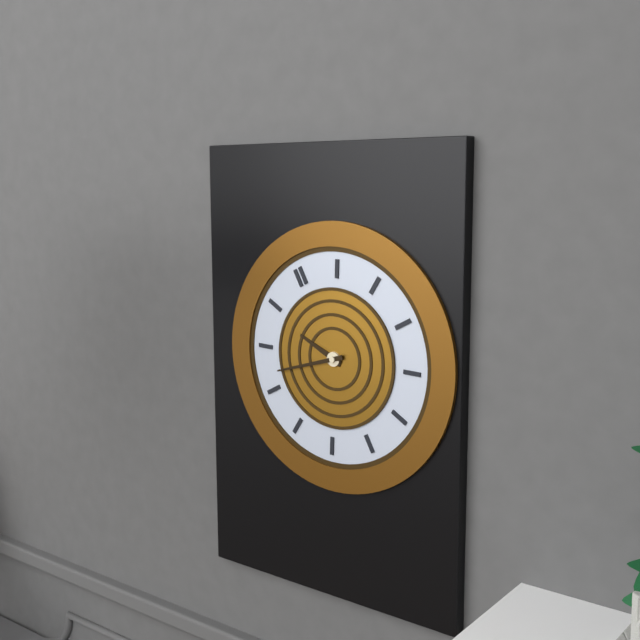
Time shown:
**10:47**
